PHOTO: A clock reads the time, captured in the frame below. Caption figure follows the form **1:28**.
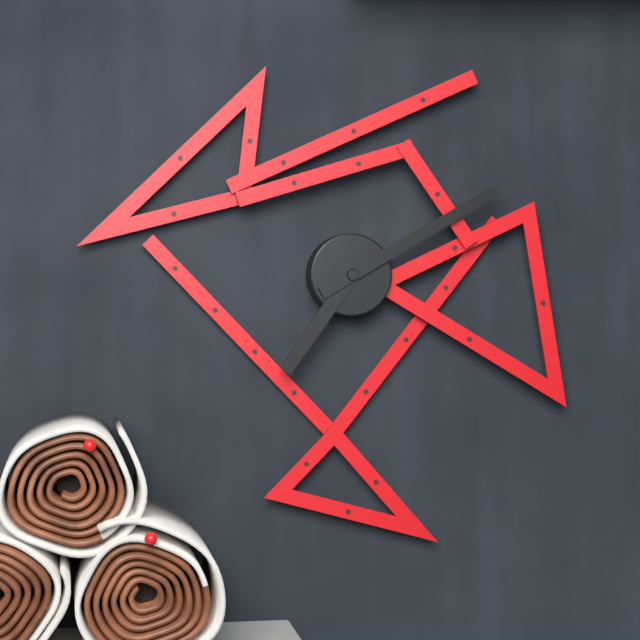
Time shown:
**7:10**
